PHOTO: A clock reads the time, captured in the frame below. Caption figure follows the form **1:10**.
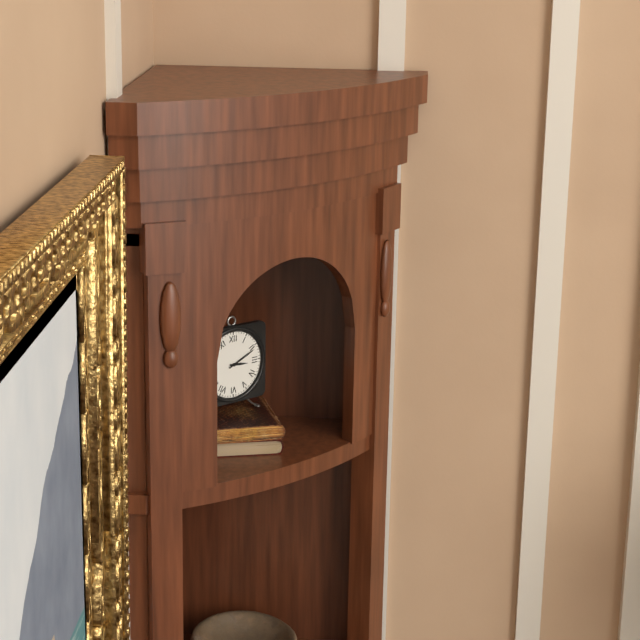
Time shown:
**3:11**
